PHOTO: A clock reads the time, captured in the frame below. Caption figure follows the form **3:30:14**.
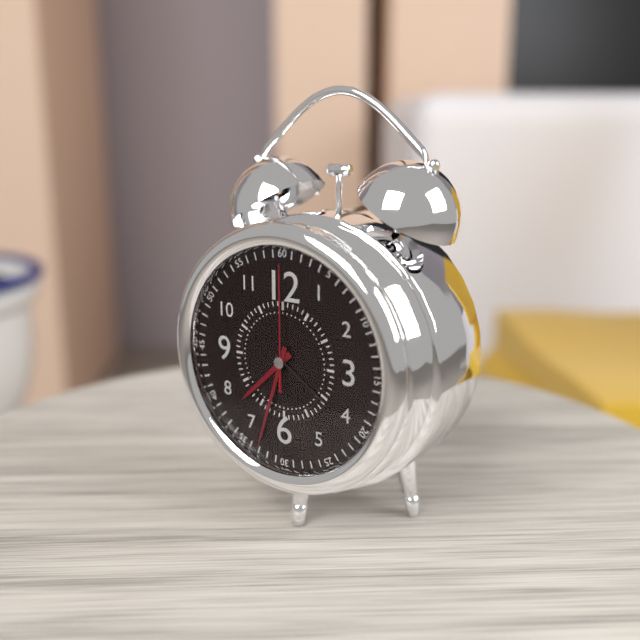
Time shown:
**7:33:00**
